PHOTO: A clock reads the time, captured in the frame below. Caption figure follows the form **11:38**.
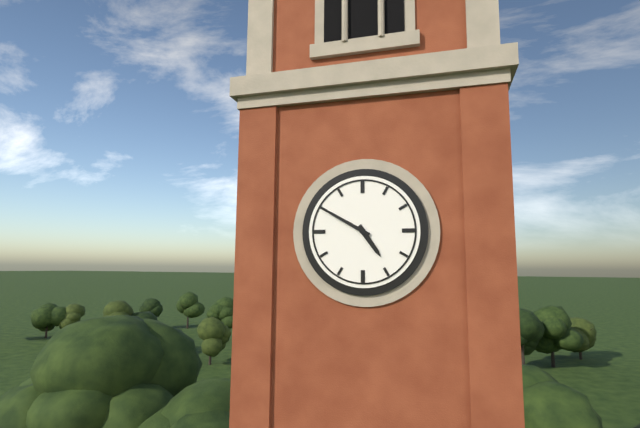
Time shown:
**4:50**
